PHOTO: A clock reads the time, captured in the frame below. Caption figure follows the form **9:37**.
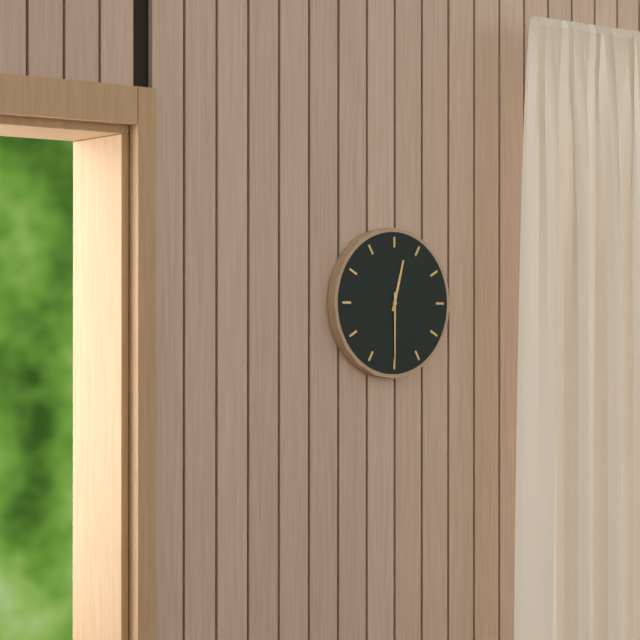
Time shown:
**12:30**
